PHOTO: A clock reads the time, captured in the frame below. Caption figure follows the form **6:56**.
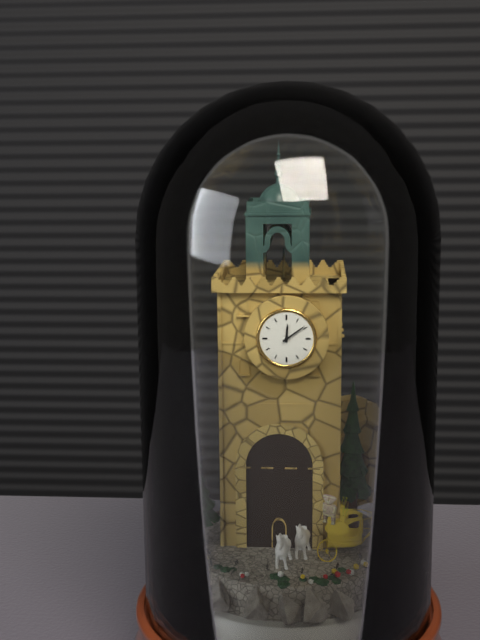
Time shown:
**12:09**
